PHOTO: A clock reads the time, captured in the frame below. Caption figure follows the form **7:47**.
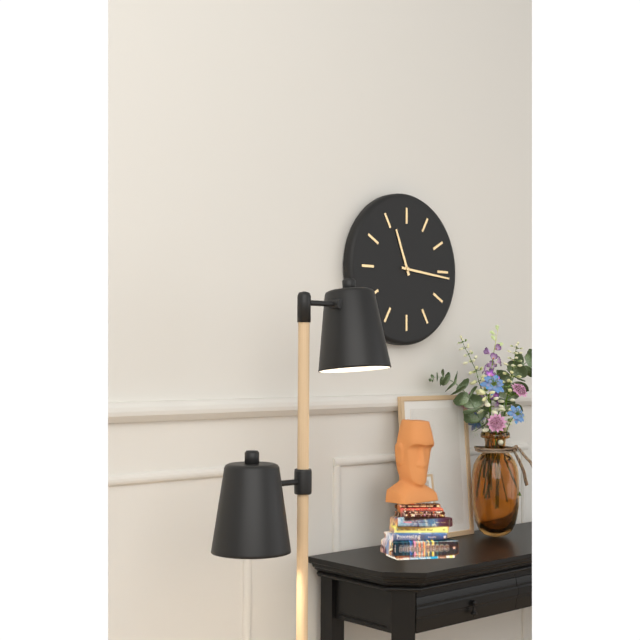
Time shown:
**11:16**
